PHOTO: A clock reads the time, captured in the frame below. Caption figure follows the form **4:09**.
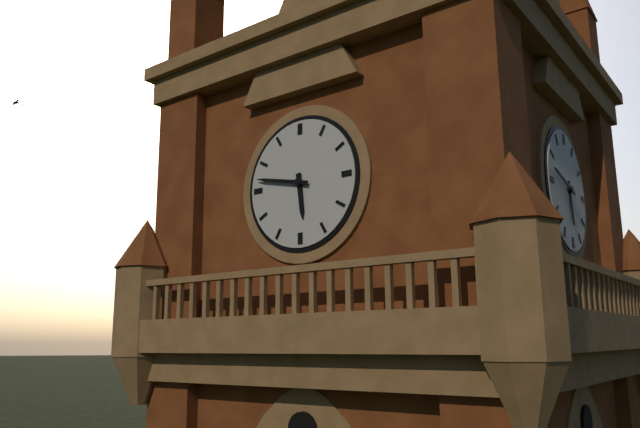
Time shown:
**5:47**
